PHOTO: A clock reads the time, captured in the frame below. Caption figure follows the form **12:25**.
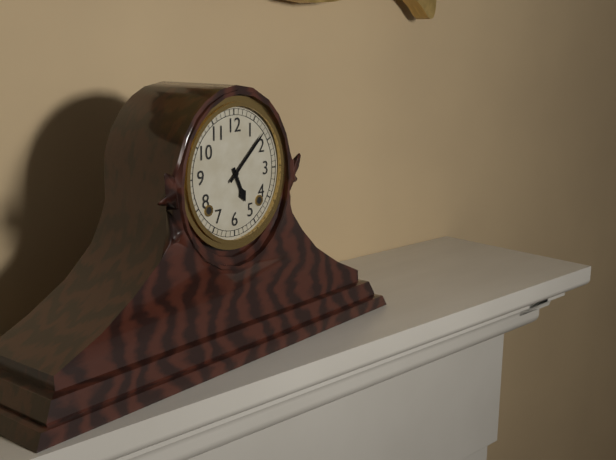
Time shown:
**5:08**
